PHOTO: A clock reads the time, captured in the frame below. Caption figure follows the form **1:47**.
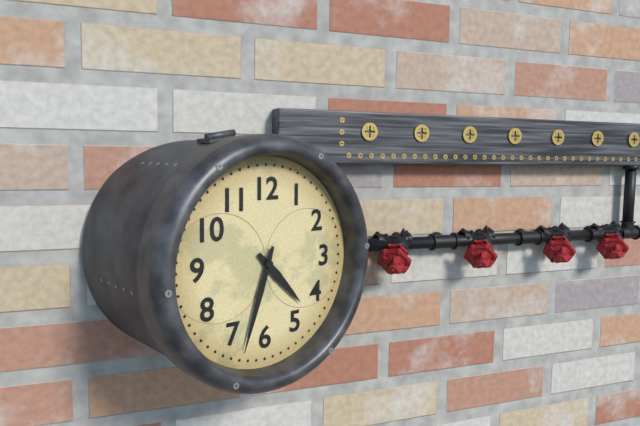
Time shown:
**4:33**
